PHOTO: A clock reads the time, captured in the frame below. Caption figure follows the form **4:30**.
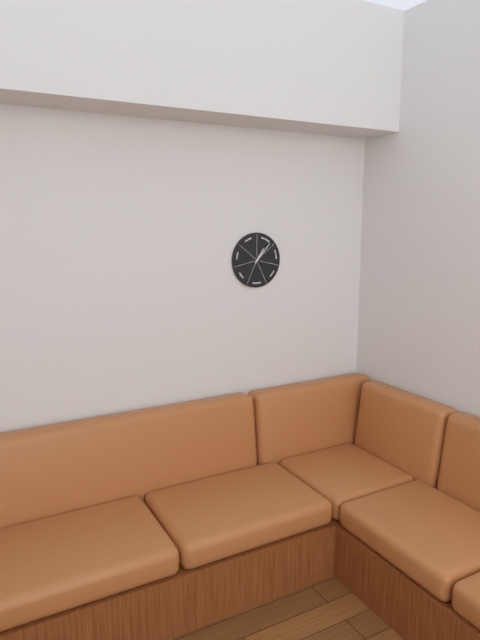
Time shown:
**1:07**
